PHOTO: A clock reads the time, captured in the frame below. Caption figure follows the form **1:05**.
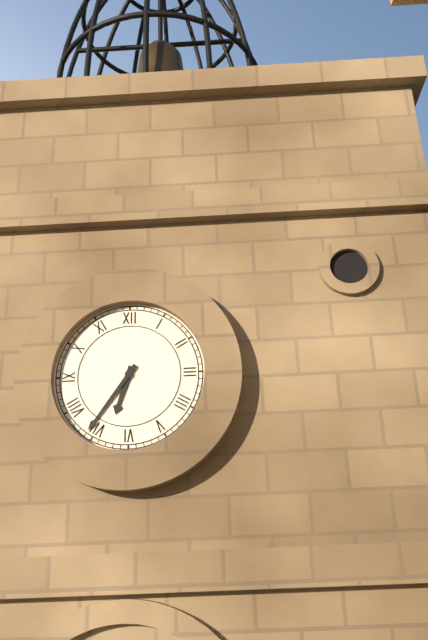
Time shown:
**6:36**
